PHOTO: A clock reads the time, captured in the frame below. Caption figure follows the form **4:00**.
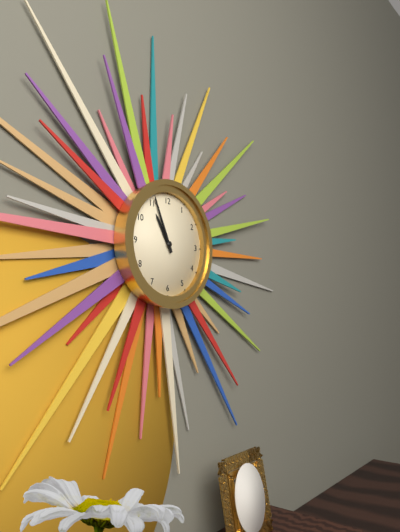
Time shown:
**10:56**
